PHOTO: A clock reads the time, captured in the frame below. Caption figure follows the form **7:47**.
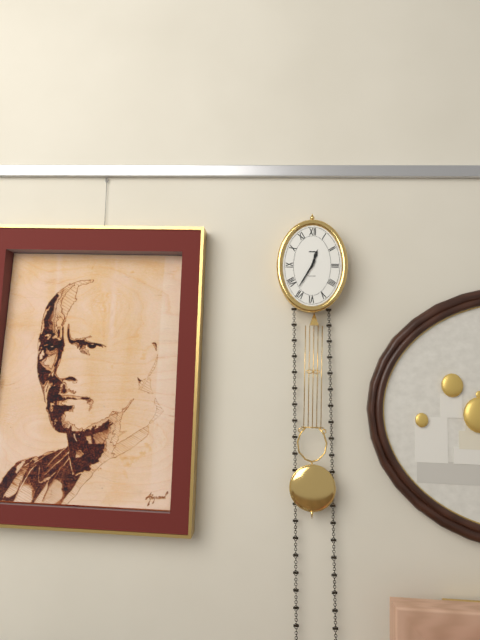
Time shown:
**12:35**
